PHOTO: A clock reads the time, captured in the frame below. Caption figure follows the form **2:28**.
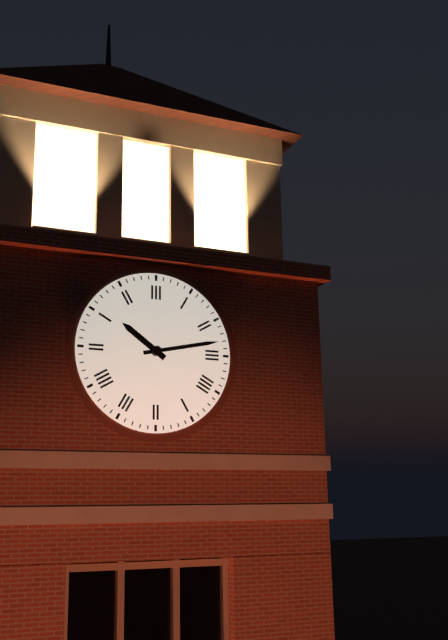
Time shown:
**10:13**
